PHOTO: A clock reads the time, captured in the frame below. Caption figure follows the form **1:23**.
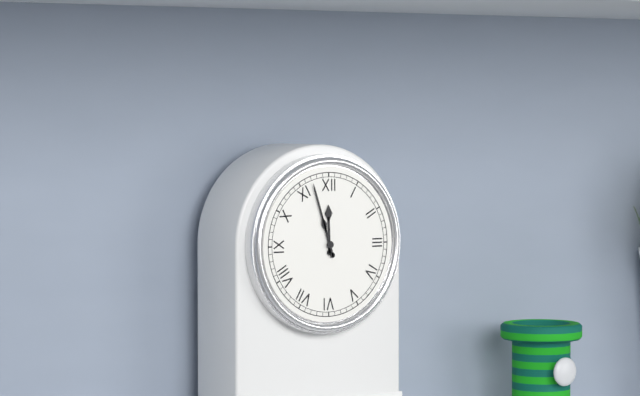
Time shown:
**11:57**
